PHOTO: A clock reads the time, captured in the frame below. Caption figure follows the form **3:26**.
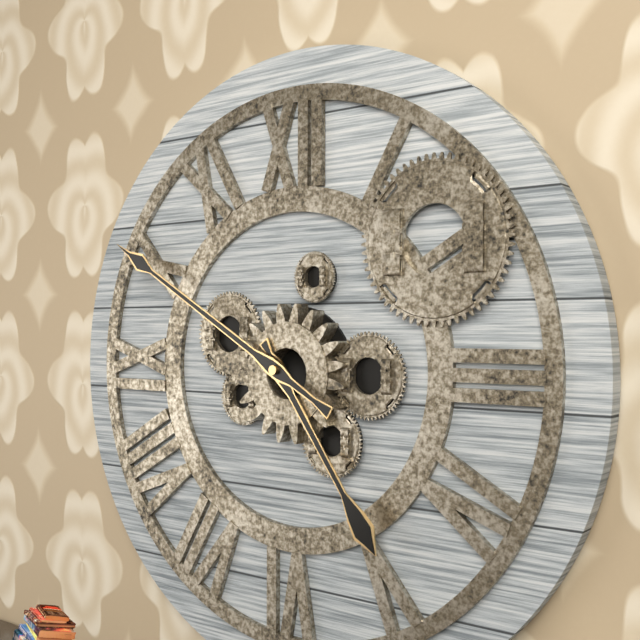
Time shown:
**4:50**
